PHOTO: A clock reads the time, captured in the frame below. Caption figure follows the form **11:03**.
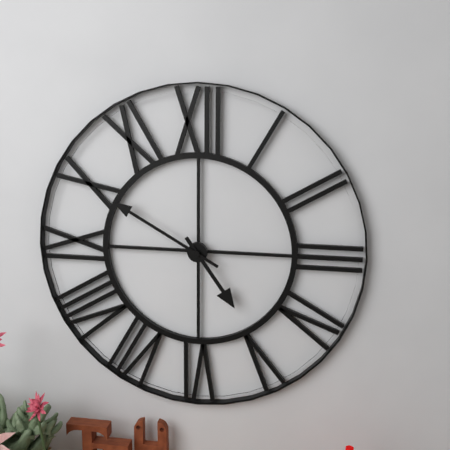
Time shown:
**4:50**
